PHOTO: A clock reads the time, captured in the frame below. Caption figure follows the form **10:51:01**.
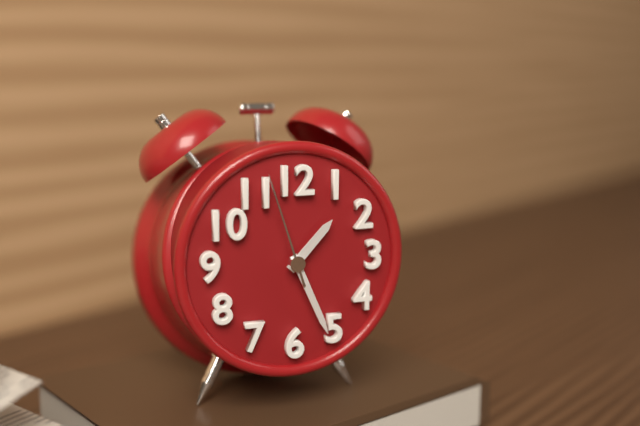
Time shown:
**1:26:57**
